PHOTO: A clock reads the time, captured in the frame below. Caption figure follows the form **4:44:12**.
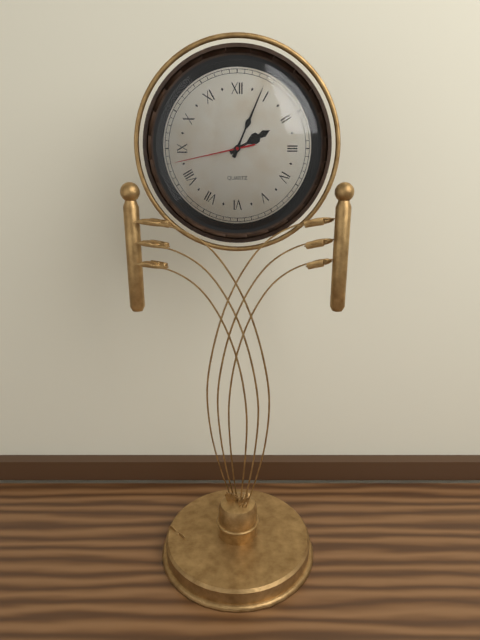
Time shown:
**2:04:43**
